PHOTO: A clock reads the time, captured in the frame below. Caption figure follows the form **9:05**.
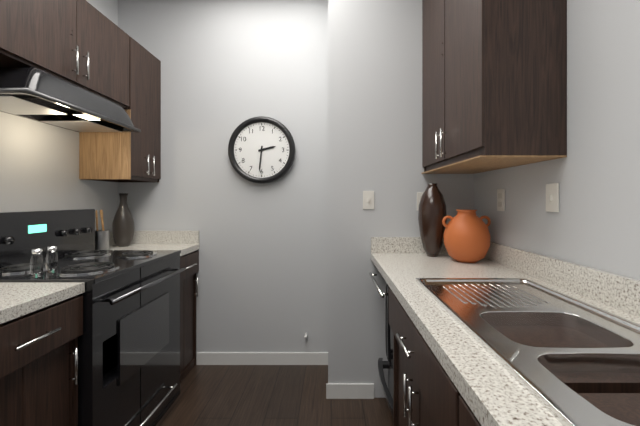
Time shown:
**2:31**
